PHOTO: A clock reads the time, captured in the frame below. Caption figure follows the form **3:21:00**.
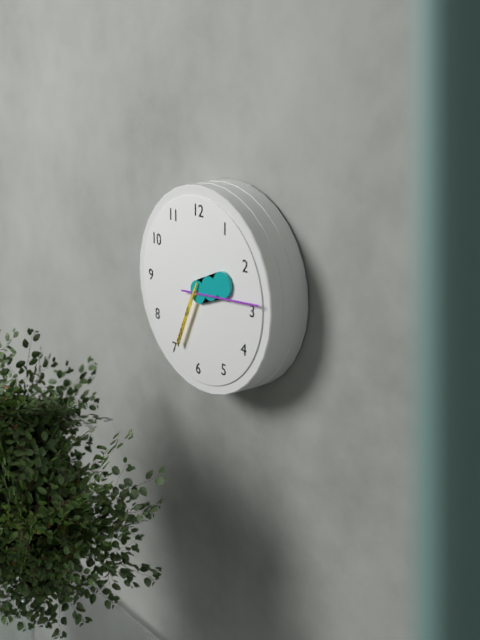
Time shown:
**2:14:34**
